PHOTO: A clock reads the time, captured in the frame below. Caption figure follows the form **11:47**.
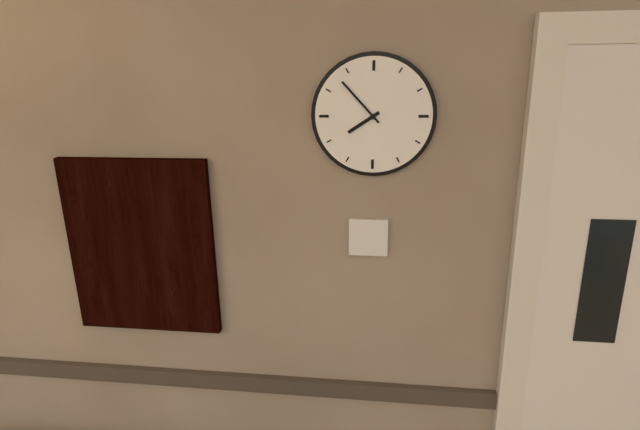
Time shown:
**7:53**
